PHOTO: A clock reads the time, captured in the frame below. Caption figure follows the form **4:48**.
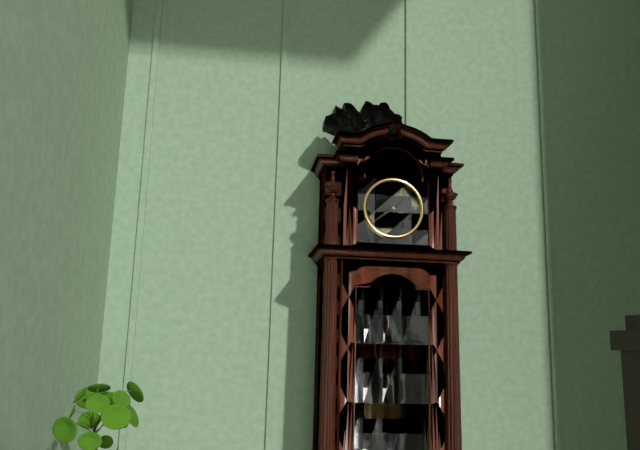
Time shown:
**1:39**
